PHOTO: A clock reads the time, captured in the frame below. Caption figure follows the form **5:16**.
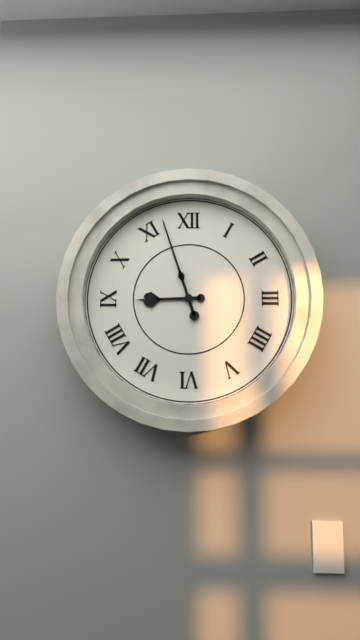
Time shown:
**8:57**
